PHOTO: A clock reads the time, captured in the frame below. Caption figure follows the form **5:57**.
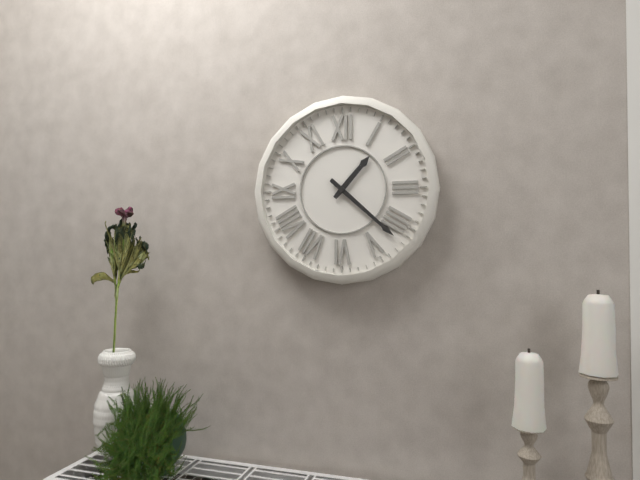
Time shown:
**1:22**
